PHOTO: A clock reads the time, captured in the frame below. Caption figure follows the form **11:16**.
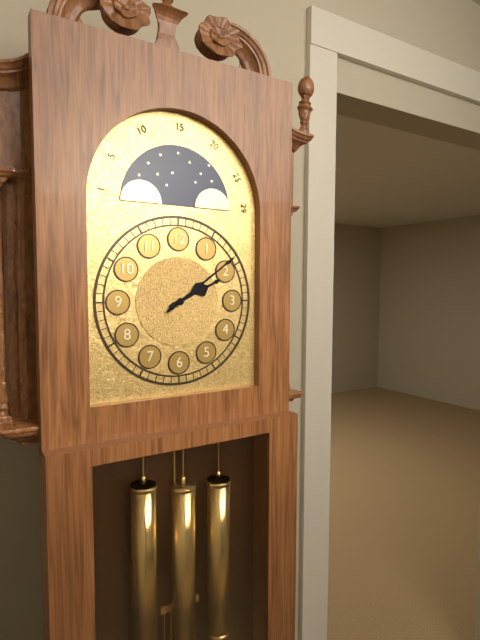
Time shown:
**2:09**
